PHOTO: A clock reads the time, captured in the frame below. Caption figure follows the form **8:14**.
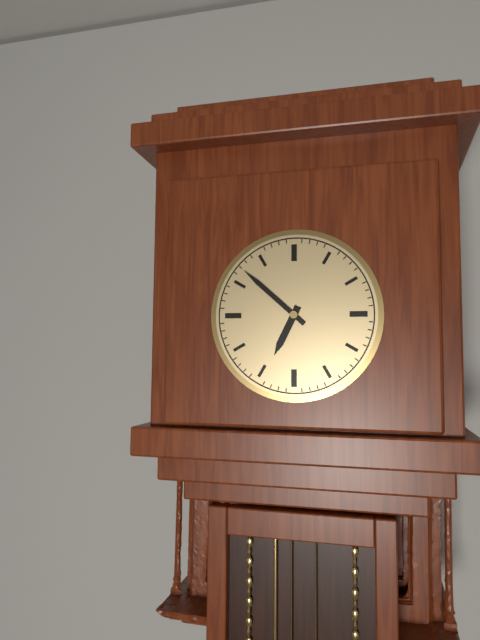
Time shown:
**6:52**
